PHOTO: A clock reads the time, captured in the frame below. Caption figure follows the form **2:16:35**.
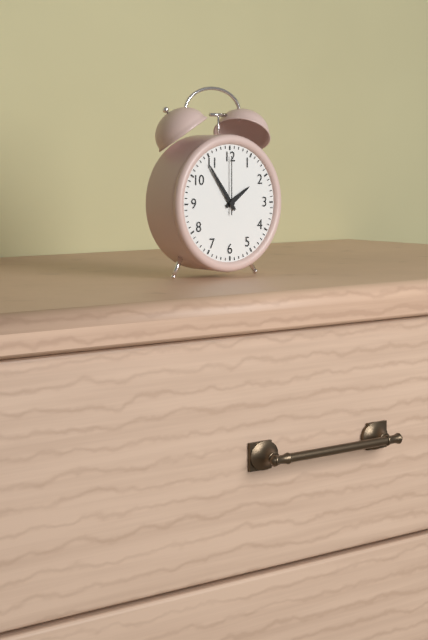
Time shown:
**1:54:00**
